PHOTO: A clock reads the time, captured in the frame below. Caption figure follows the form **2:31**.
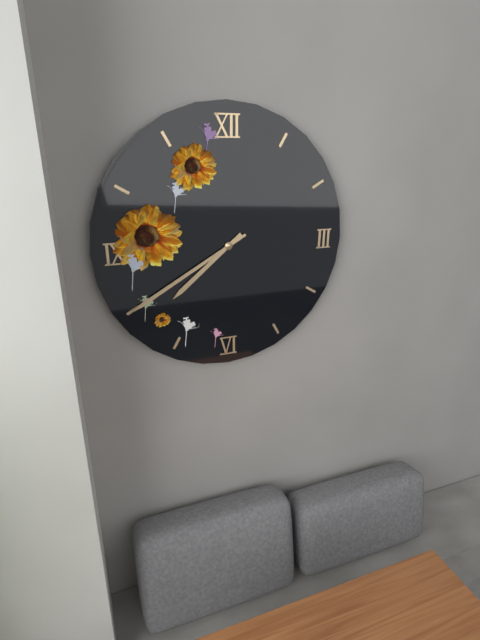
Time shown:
**7:40**
